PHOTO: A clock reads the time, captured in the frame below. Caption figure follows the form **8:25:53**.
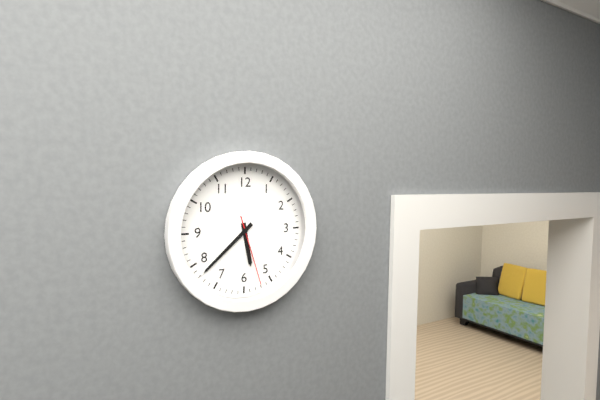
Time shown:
**5:38:27**
